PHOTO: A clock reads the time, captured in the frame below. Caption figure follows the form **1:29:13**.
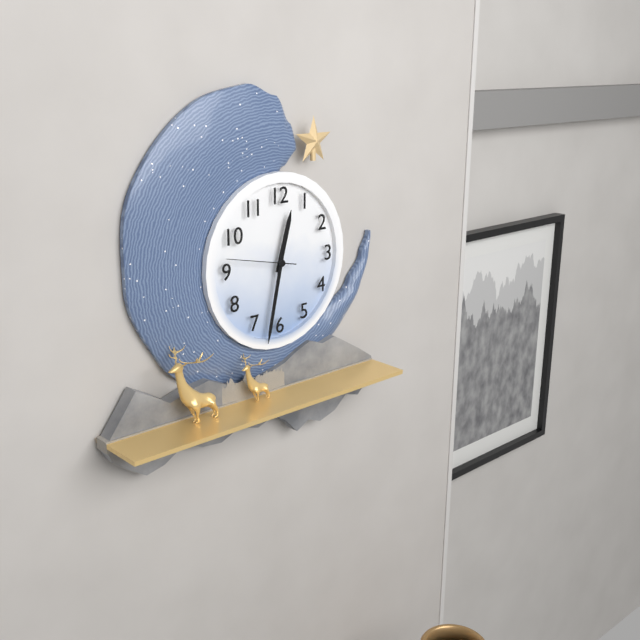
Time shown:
**12:32:47**
